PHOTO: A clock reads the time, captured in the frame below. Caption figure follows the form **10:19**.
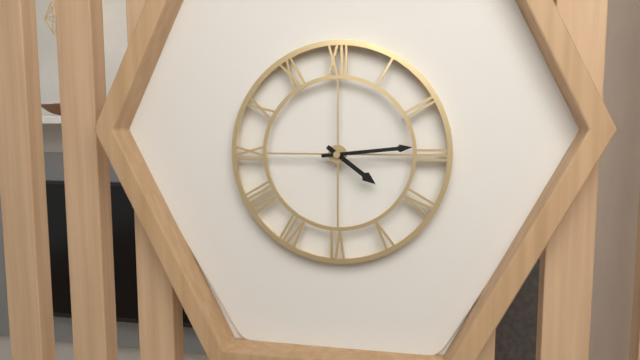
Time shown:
**4:14**
